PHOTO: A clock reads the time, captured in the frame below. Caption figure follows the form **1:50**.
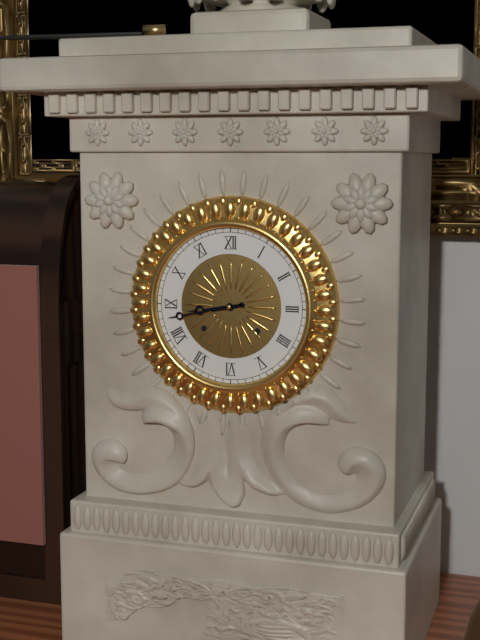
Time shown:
**8:43**
